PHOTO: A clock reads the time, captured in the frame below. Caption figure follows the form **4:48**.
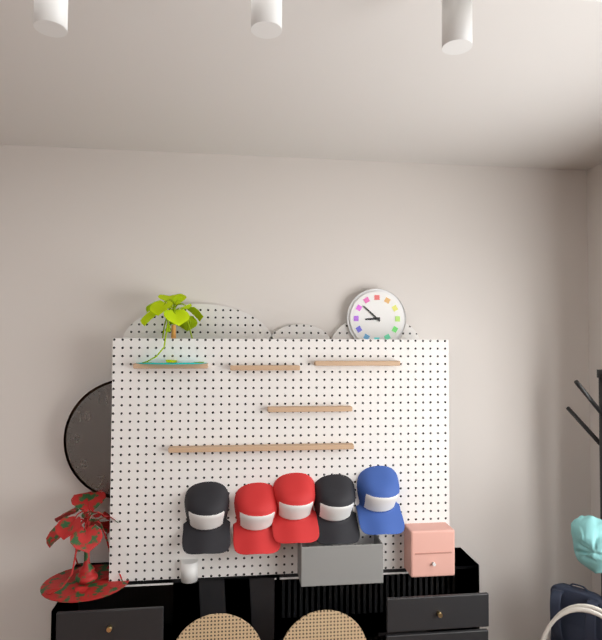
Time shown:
**8:52**
